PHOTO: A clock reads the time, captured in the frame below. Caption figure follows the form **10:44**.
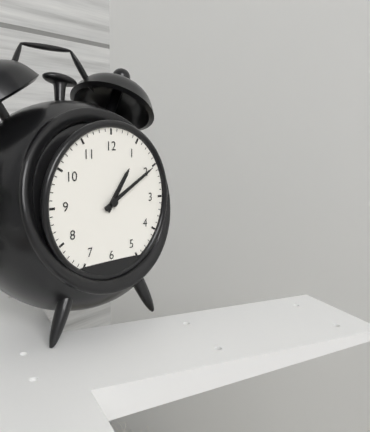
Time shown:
**1:10**
